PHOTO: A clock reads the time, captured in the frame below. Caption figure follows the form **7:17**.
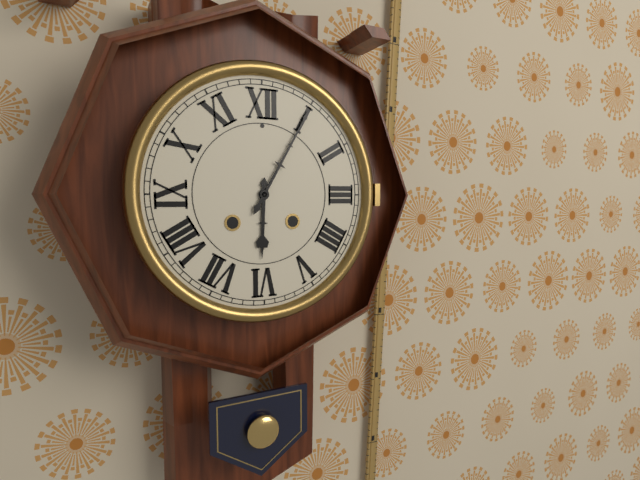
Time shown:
**6:05**
